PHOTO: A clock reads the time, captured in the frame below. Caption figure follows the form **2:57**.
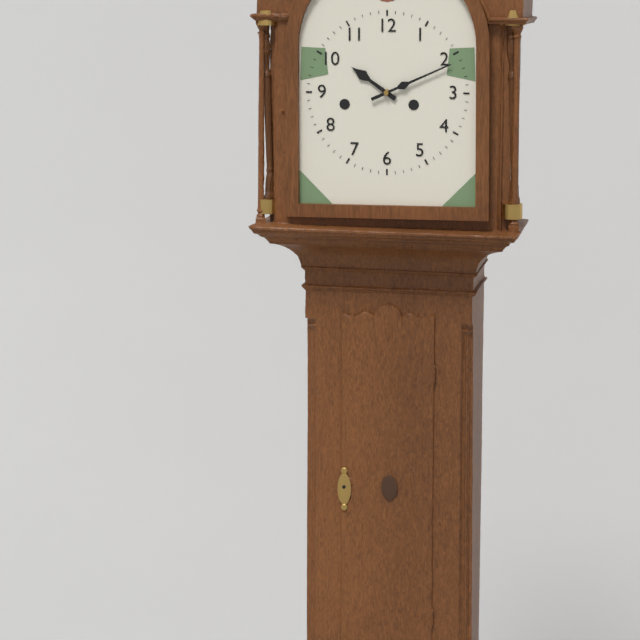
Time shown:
**10:11**
